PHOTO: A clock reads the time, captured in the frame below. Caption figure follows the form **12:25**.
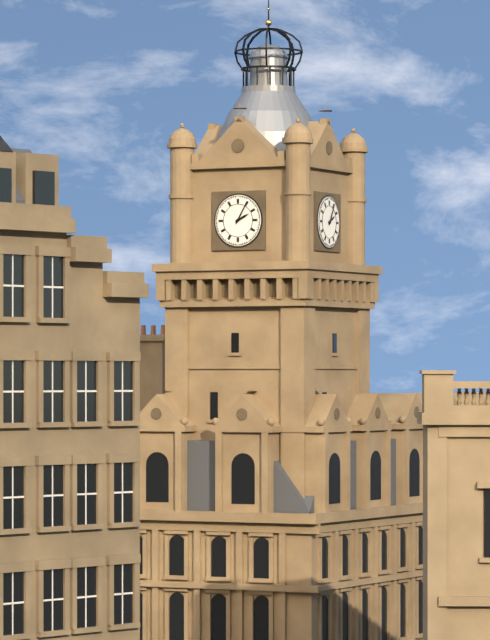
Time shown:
**2:05**
